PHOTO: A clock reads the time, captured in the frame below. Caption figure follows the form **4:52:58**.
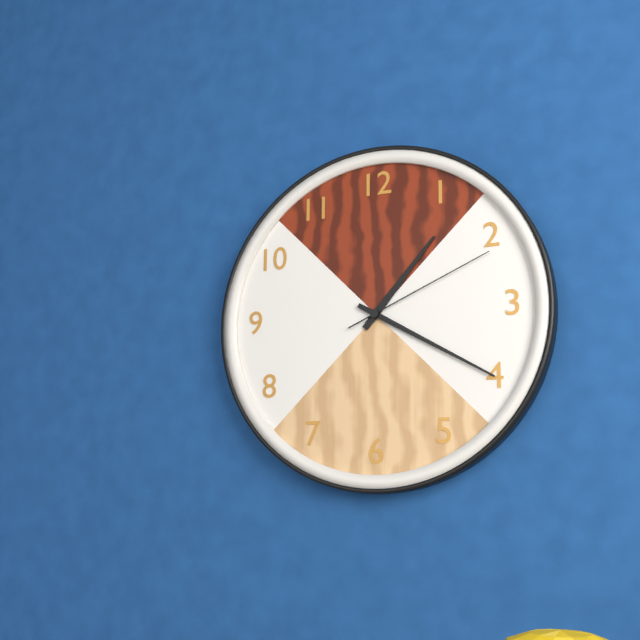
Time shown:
**1:20:11**
